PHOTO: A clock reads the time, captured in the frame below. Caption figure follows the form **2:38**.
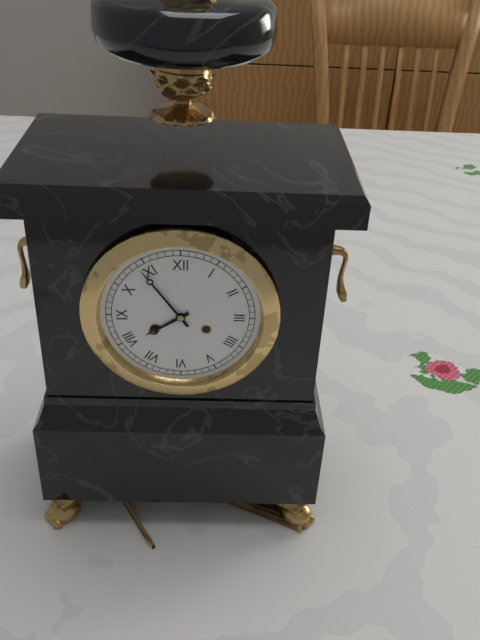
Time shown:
**7:54**
